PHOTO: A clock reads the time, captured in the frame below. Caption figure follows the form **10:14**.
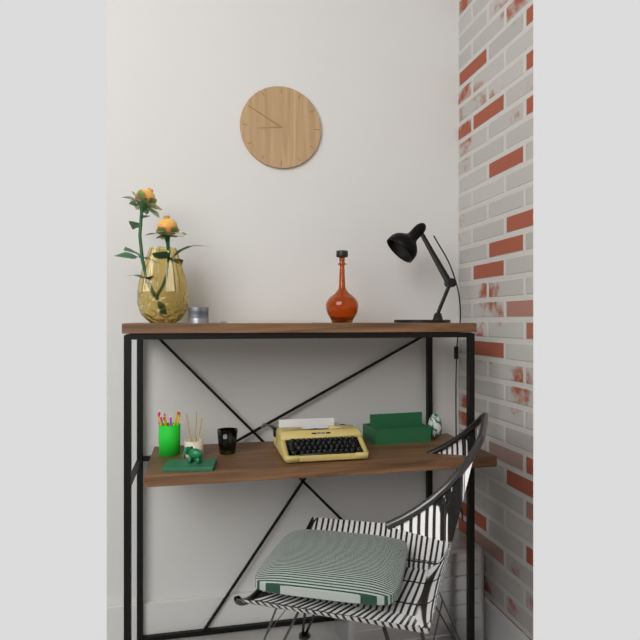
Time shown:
**8:50**
